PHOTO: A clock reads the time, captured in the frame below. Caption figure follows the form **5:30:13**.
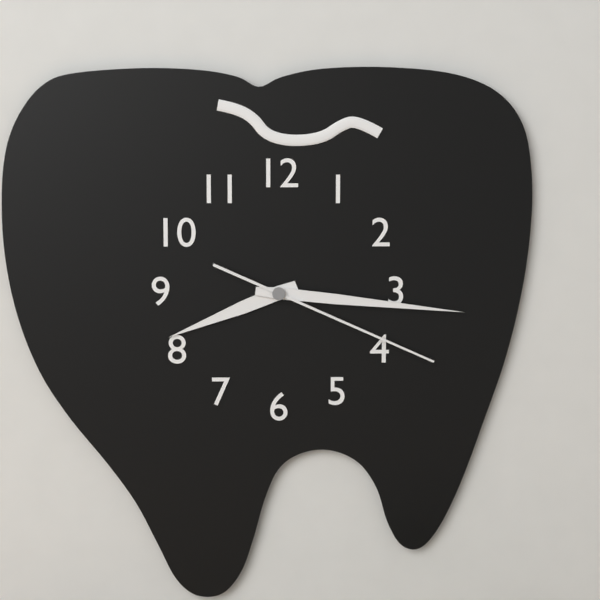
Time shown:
**8:16:19**
